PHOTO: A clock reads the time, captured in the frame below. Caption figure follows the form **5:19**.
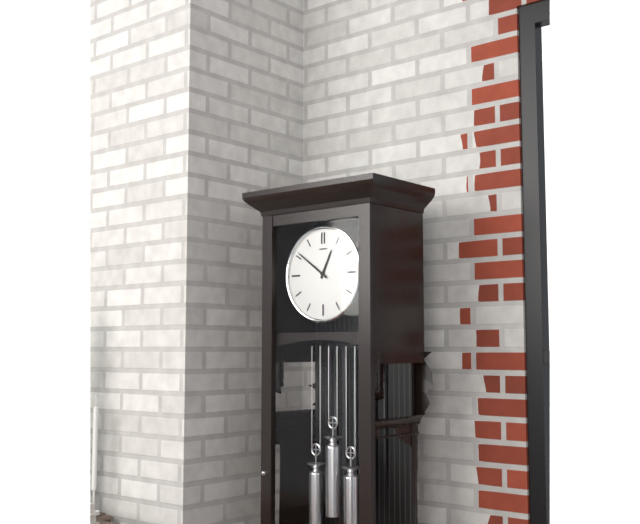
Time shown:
**12:51**
